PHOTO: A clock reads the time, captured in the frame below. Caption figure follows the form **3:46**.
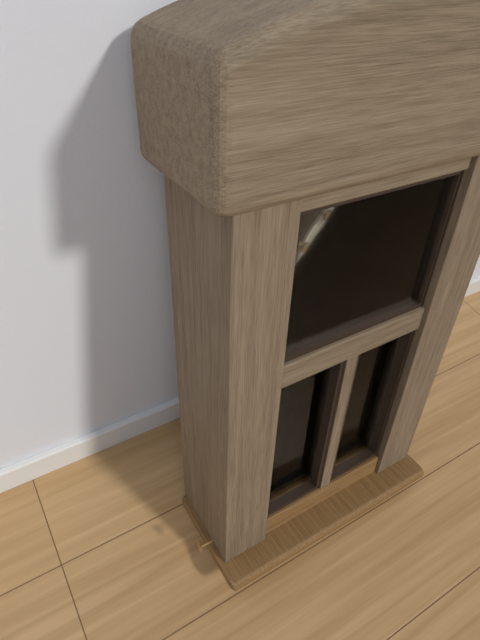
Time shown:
**10:11**
